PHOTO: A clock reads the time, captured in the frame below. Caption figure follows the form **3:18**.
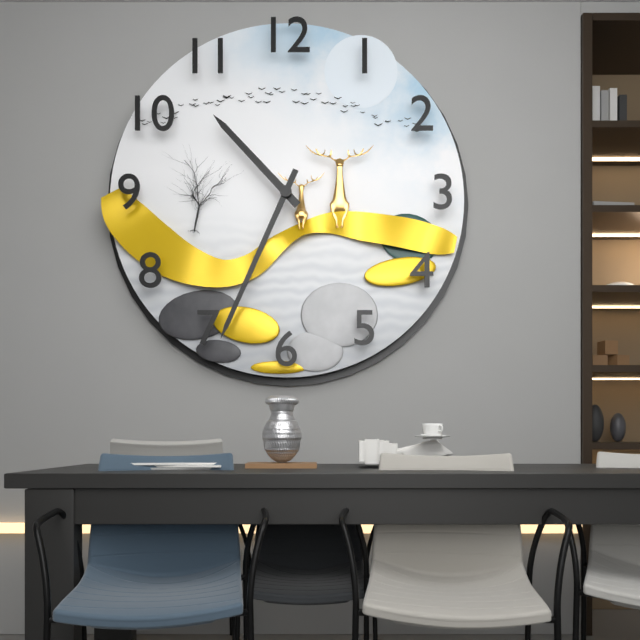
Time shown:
**10:34**
